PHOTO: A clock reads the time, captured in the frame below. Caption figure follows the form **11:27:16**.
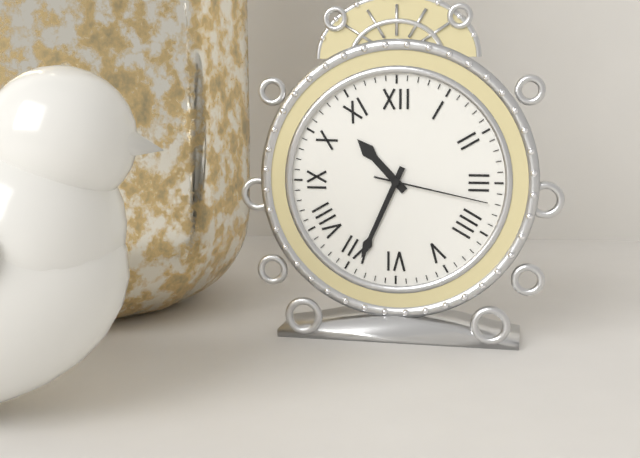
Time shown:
**10:34:17**
